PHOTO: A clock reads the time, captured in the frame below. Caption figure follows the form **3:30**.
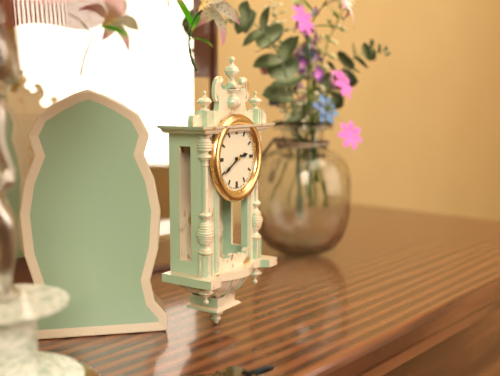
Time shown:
**2:40**
